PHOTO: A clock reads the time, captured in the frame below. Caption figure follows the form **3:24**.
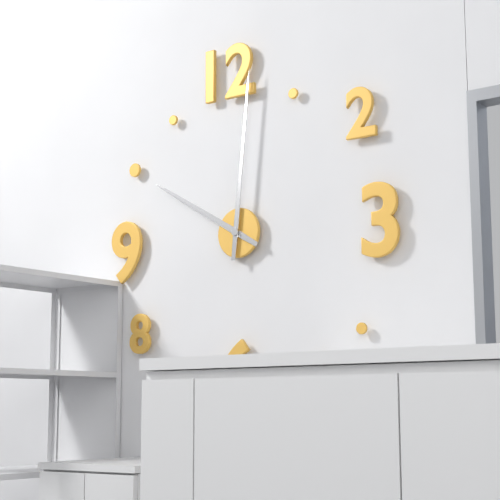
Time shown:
**10:01**
